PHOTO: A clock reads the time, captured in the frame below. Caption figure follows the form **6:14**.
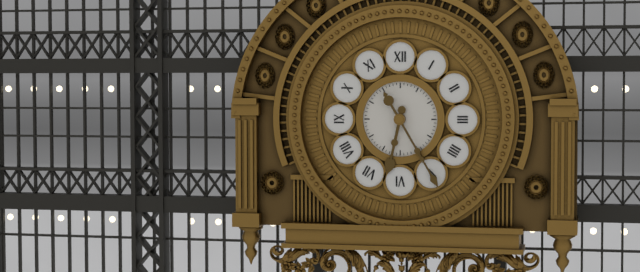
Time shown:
**6:25**
